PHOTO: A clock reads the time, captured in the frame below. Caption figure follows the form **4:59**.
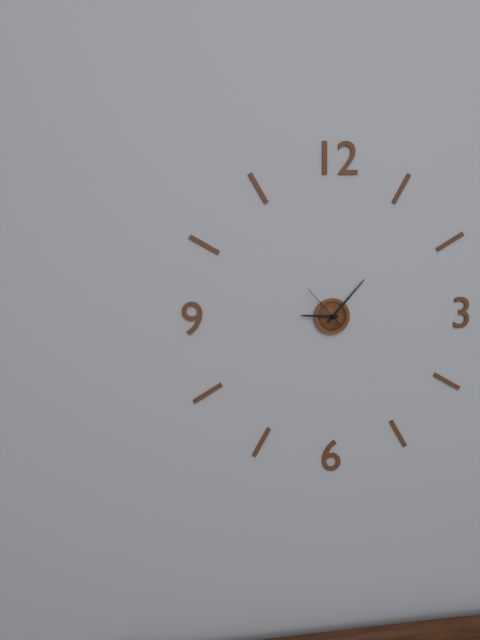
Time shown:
**9:07**
